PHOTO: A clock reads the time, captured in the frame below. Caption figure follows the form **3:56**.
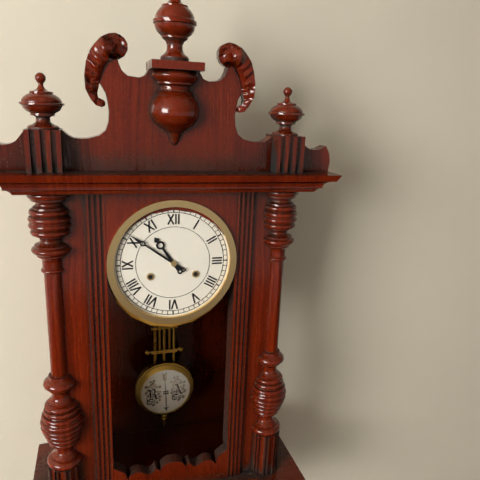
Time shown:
**10:51**
